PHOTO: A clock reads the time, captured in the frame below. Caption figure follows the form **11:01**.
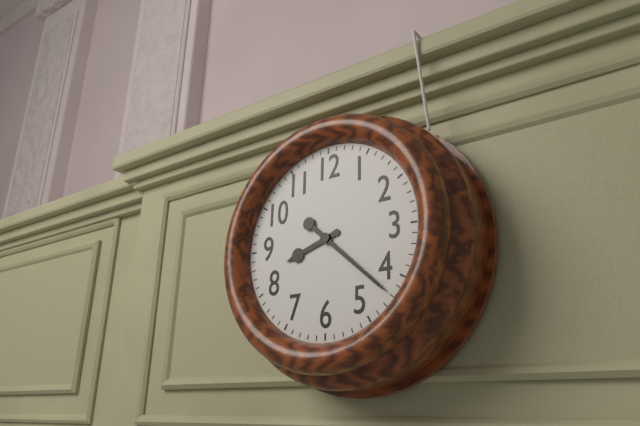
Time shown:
**8:22**
